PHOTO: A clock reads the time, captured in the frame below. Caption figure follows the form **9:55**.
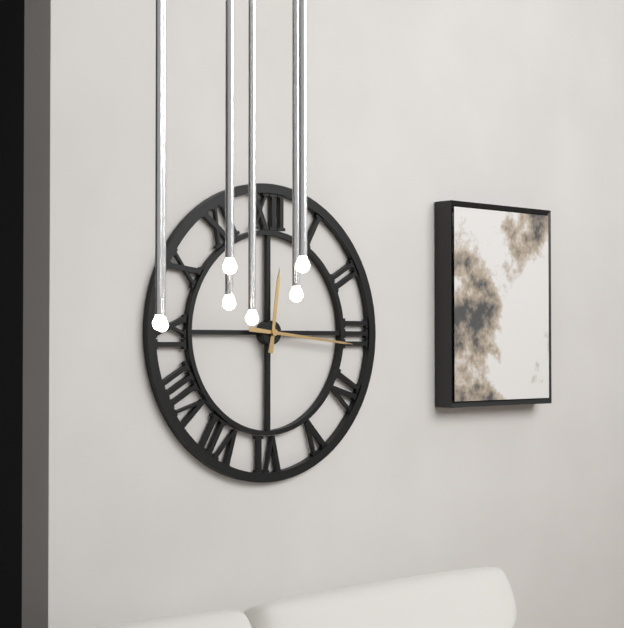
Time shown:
**12:16**
